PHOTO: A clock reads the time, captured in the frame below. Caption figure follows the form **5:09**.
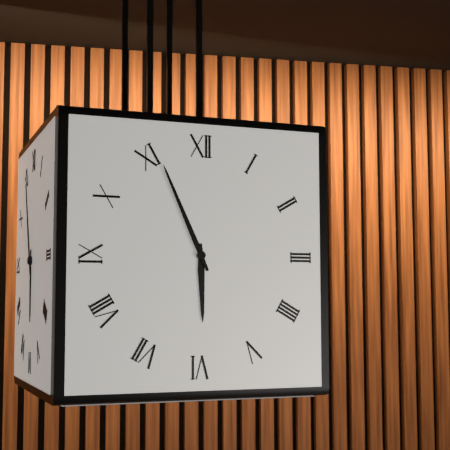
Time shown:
**5:56**
